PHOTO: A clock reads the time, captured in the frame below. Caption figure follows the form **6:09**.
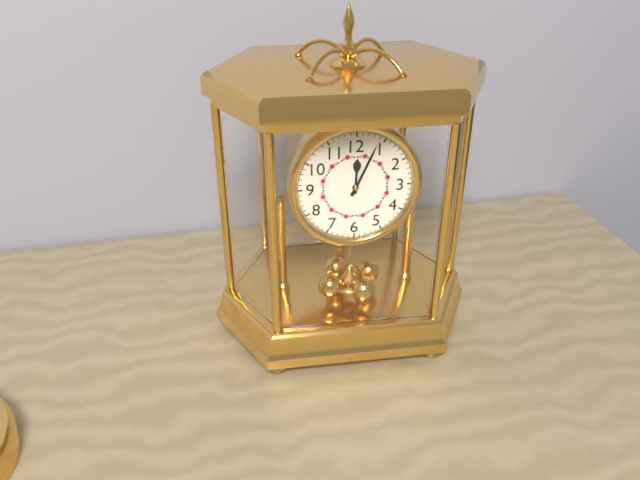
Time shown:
**12:04**
